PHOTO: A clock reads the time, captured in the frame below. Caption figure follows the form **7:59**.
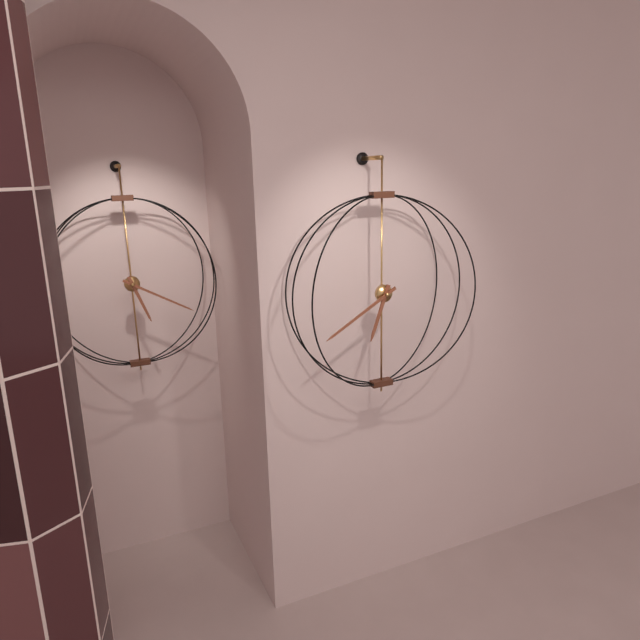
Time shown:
**6:40**
